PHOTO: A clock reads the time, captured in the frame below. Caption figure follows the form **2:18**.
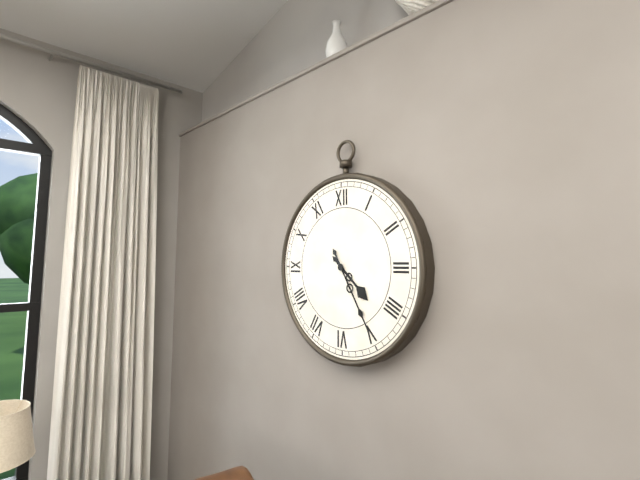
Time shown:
**4:25**
